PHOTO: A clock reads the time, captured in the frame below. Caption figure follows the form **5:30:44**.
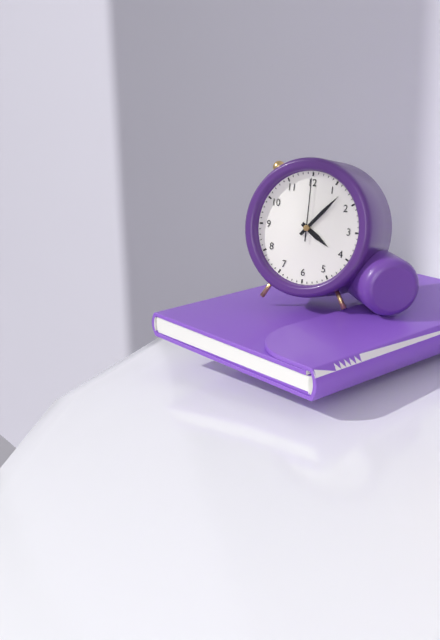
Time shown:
**4:07:00**
